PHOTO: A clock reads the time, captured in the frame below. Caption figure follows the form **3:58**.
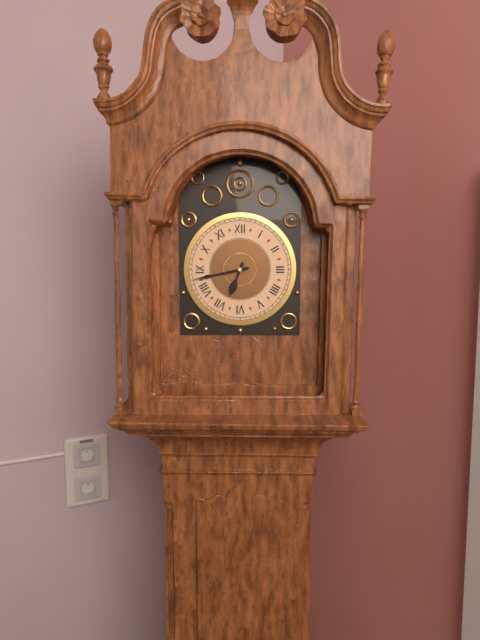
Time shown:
**6:43**
